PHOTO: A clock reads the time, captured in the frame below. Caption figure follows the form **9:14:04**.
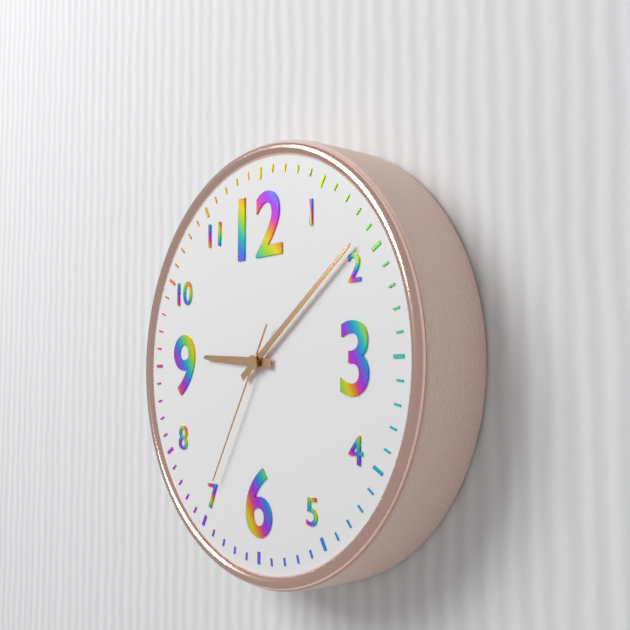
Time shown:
**9:09:35**
